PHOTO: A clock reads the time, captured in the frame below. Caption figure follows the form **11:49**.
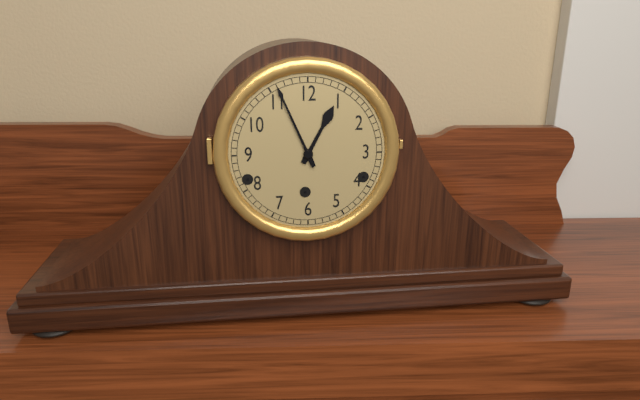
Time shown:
**12:56**
